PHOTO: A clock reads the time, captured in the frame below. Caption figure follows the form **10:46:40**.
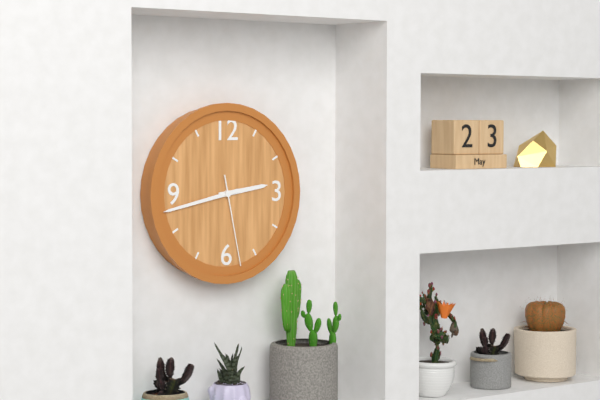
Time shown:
**2:43:28**
